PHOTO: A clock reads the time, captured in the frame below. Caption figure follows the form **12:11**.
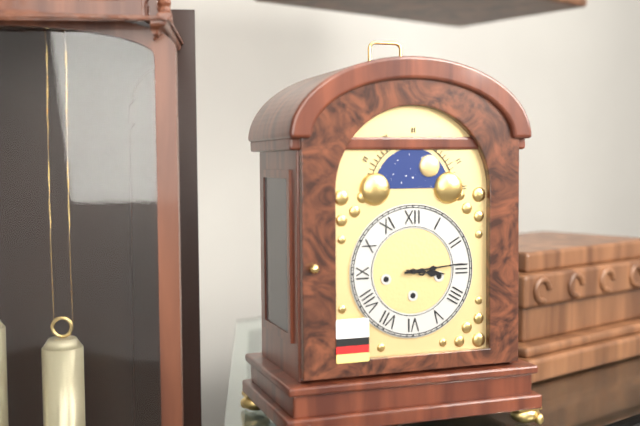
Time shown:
**3:14**
